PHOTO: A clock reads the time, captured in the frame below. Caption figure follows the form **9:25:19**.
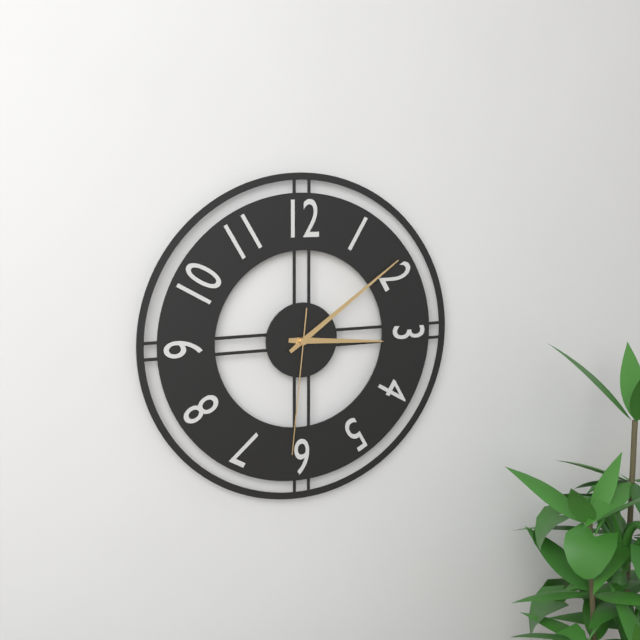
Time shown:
**3:09:31**
